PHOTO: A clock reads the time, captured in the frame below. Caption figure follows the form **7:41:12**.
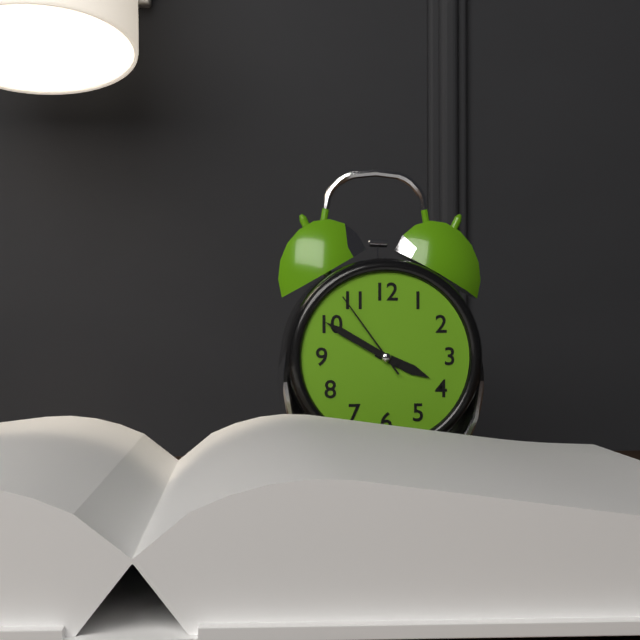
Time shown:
**3:50:54**
